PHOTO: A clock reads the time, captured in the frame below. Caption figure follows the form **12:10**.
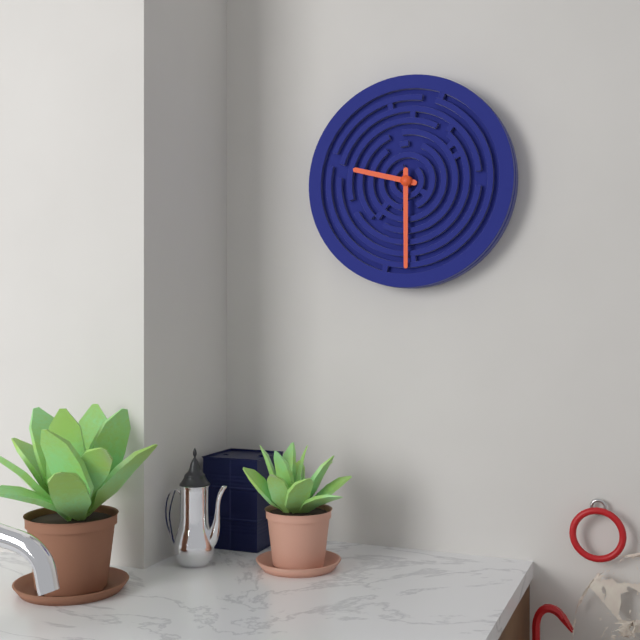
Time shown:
**9:30**
